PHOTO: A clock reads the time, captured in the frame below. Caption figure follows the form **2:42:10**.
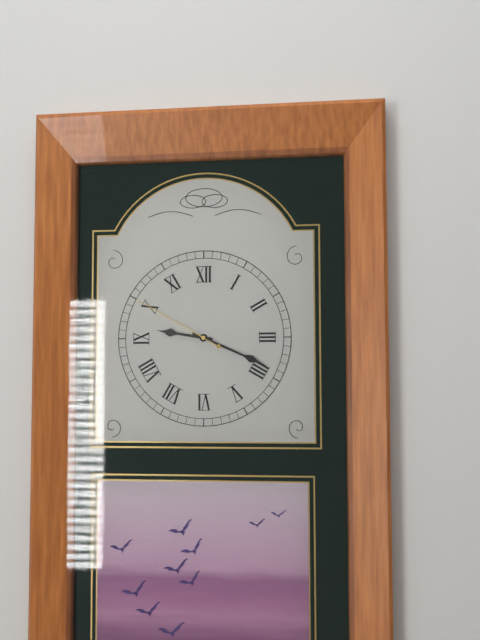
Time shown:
**9:19:50**
